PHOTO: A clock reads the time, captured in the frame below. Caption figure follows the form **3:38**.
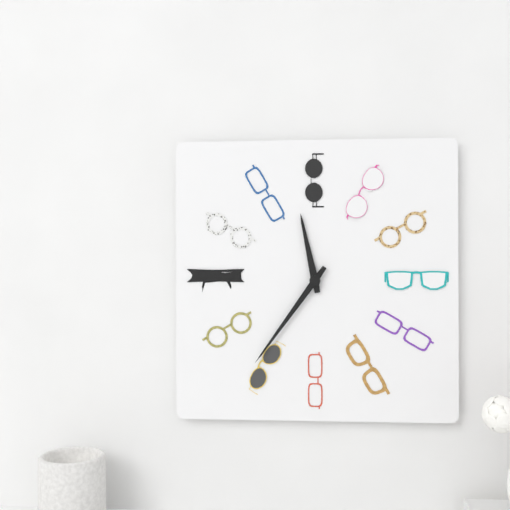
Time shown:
**11:36**
